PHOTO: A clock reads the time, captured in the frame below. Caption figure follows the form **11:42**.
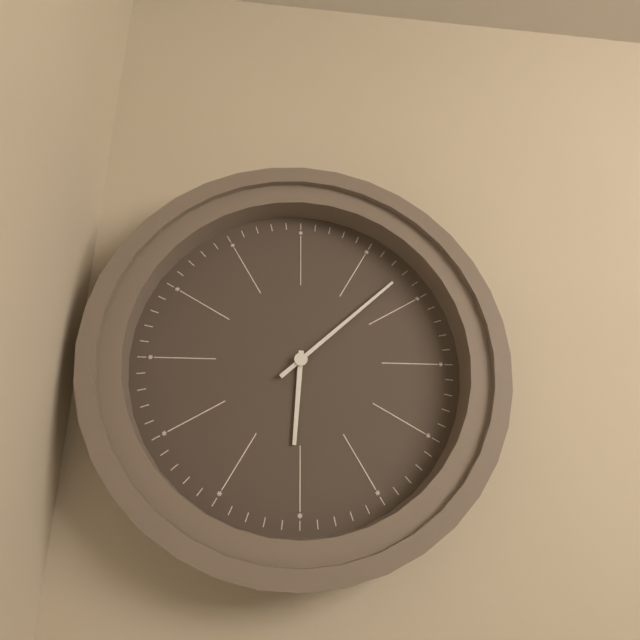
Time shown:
**6:08**
